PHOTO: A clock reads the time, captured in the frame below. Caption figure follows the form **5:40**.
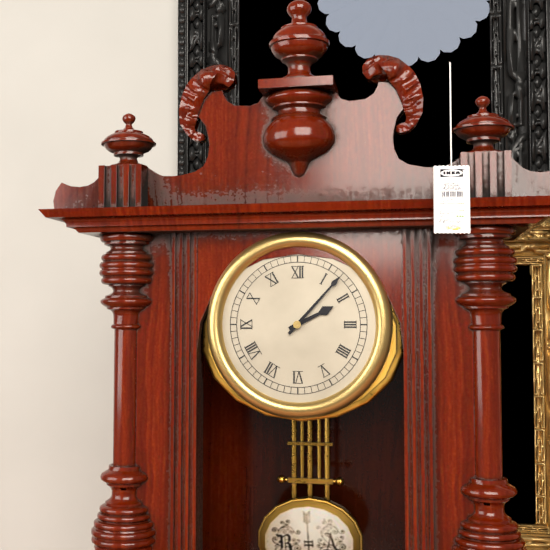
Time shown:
**2:07**
